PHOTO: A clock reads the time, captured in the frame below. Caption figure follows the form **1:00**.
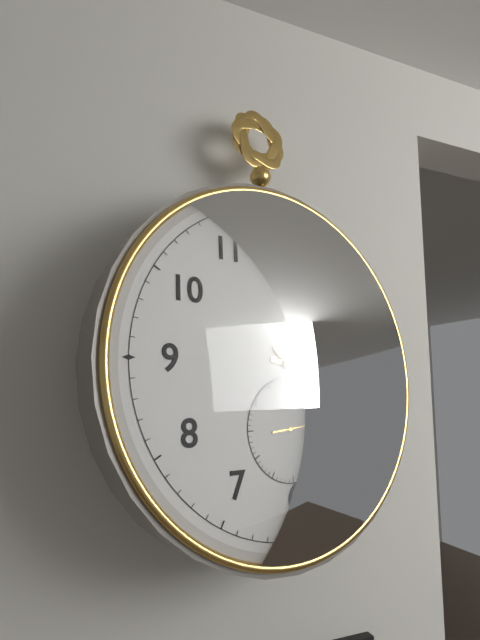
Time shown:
**3:23**
